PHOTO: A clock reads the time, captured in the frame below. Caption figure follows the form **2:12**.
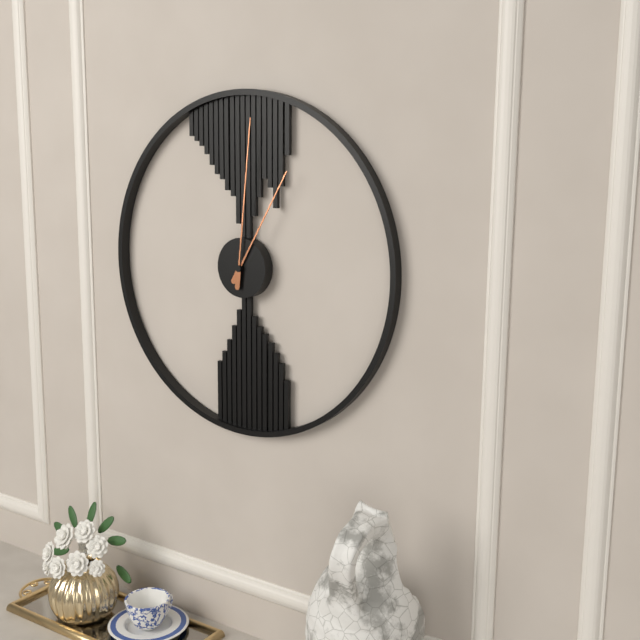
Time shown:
**1:01**
